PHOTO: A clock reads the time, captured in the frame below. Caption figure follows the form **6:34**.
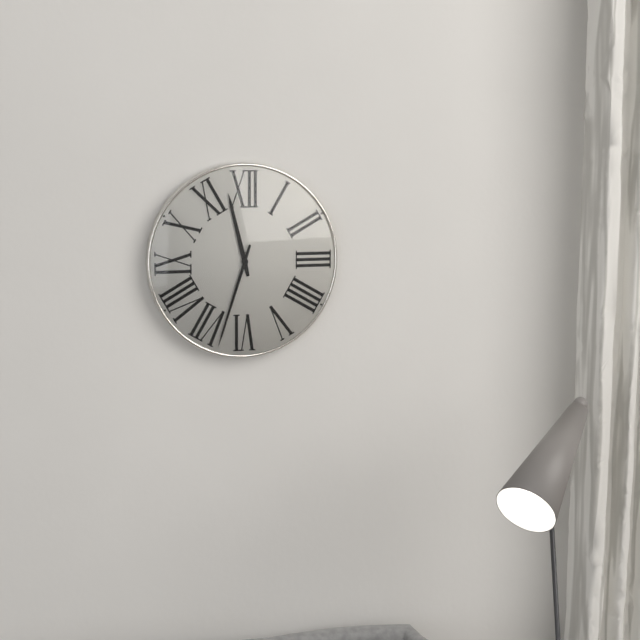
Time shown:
**11:33**
